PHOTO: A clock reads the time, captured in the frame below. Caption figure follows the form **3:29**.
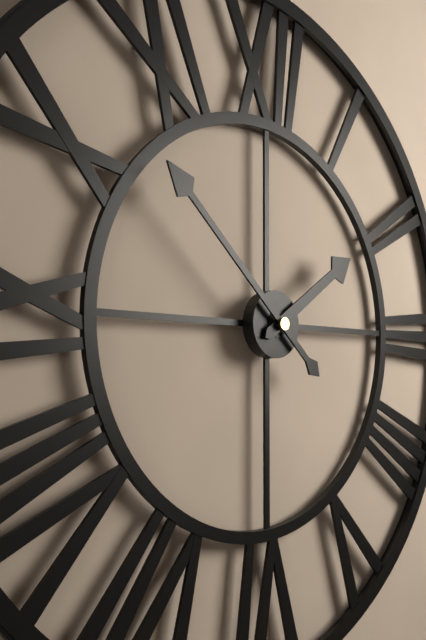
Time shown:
**1:52**
